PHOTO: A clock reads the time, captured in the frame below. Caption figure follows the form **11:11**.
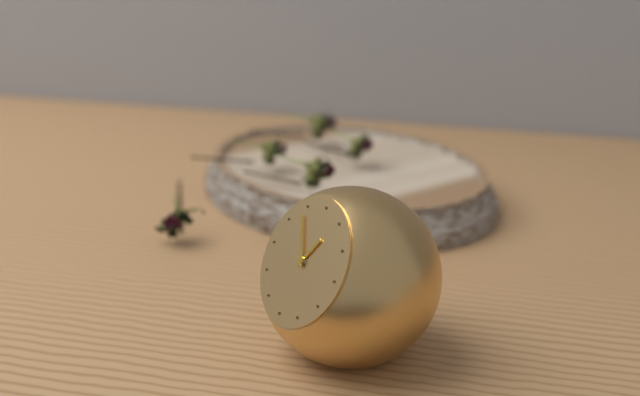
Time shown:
**12:54**
